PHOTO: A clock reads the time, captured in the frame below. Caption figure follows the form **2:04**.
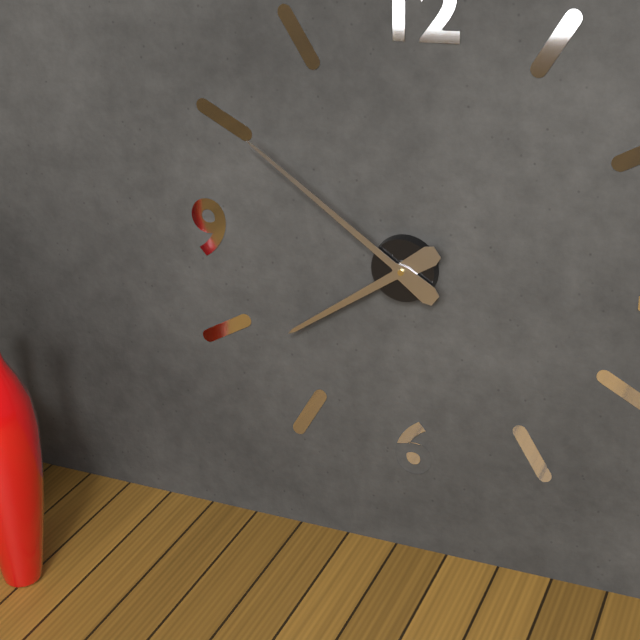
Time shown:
**7:51**
